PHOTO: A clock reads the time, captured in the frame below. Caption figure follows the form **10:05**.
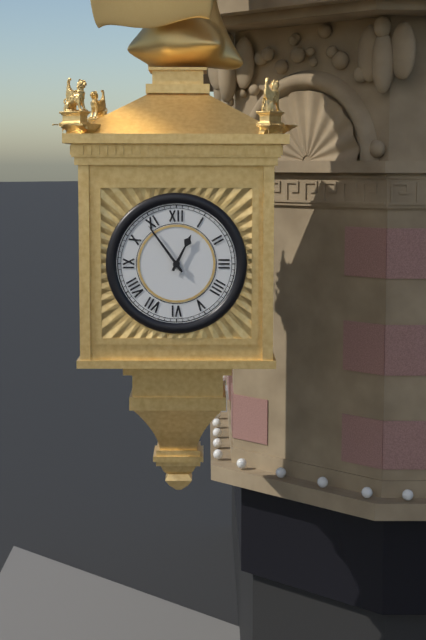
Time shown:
**12:54**
